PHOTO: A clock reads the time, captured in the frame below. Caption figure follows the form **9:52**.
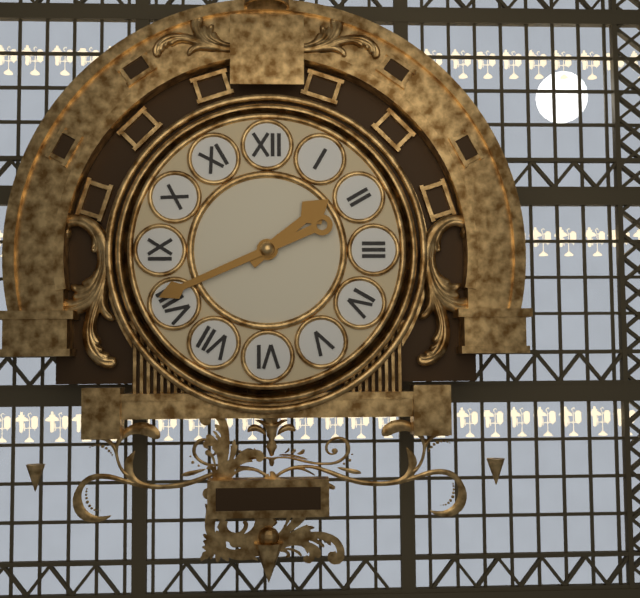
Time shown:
**1:41**
